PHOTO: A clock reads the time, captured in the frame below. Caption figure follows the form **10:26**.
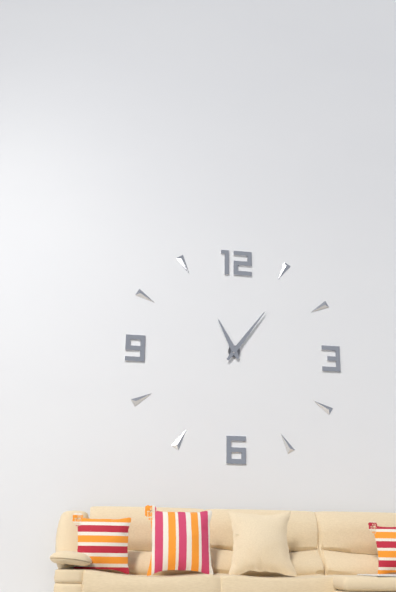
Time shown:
**11:06**
